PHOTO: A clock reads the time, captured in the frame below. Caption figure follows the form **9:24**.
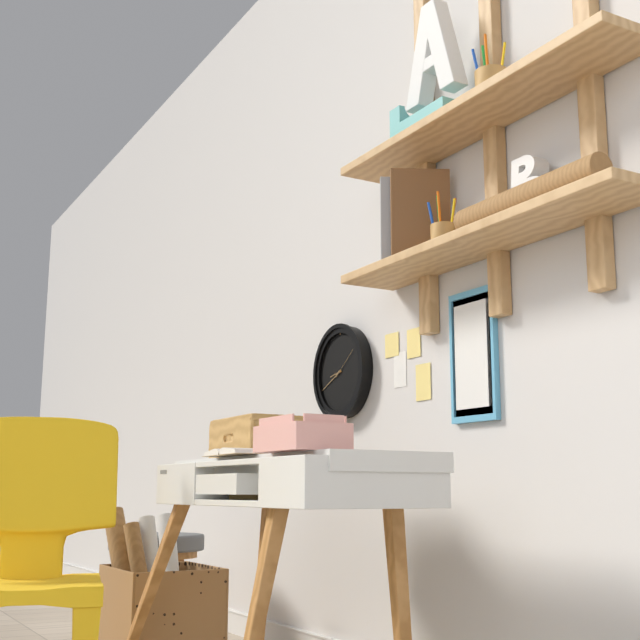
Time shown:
**8:41**
